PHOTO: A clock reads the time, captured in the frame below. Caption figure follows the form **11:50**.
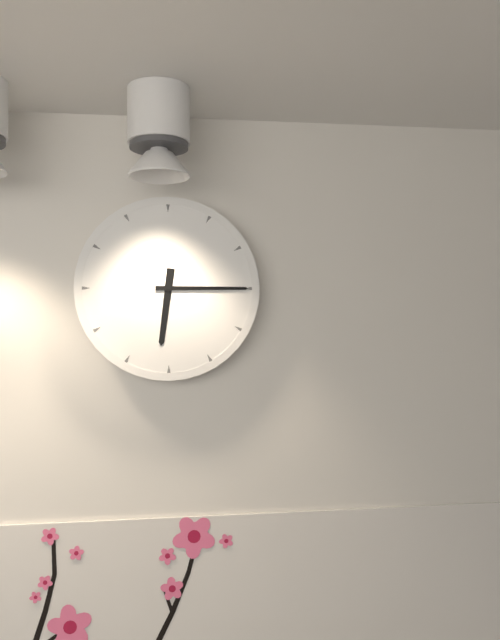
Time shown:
**6:15**
